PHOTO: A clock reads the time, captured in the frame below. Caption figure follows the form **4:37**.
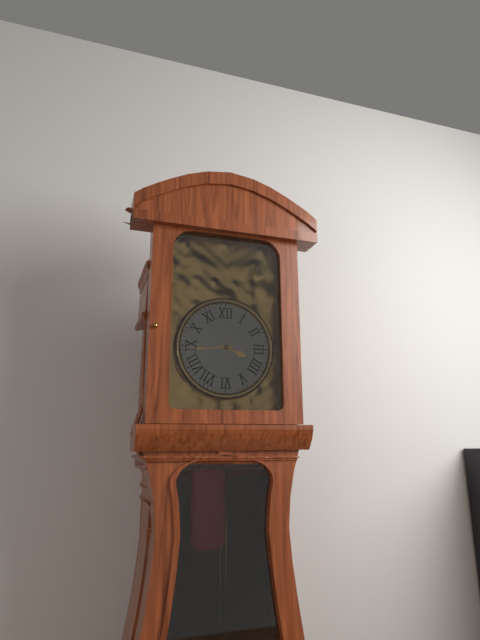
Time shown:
**3:44**
